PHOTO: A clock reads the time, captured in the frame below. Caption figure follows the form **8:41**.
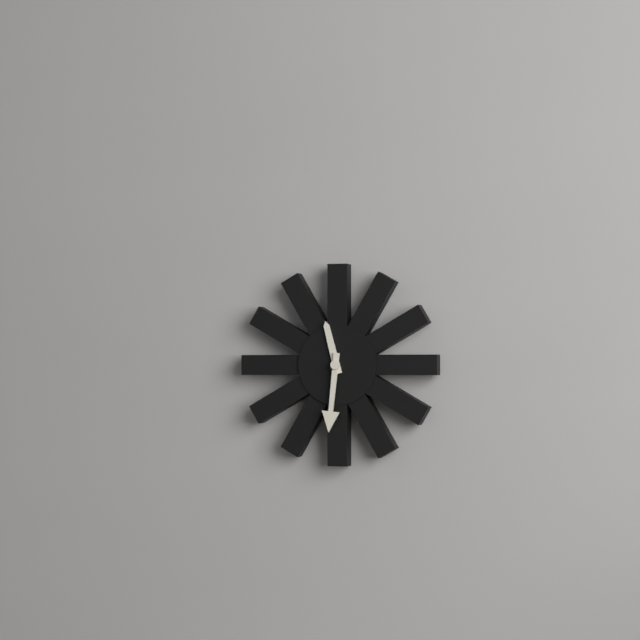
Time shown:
**11:31**
